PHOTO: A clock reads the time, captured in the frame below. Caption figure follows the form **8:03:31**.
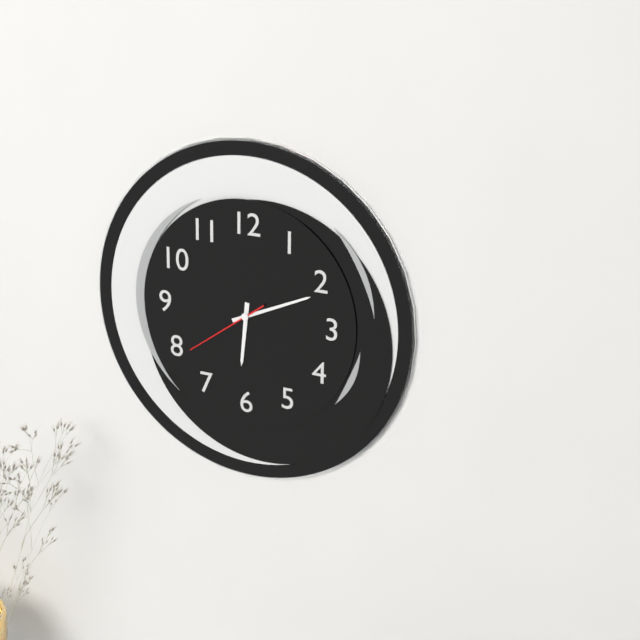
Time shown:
**6:11:39**
